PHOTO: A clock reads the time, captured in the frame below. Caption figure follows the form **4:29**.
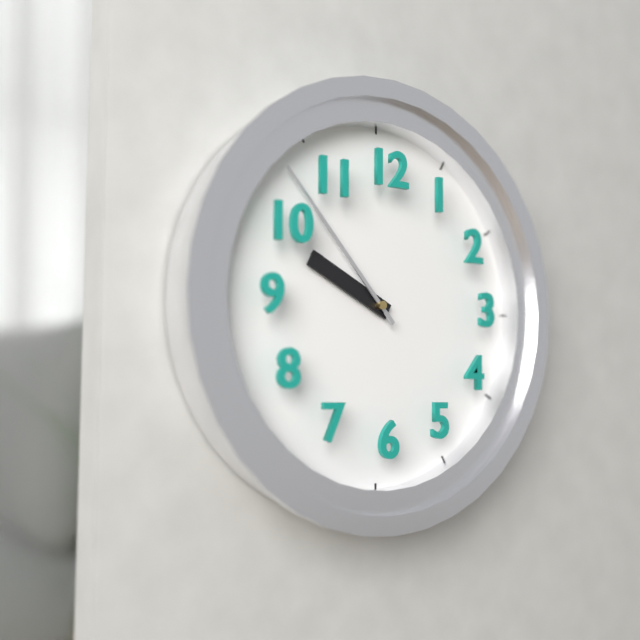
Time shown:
**9:53**
